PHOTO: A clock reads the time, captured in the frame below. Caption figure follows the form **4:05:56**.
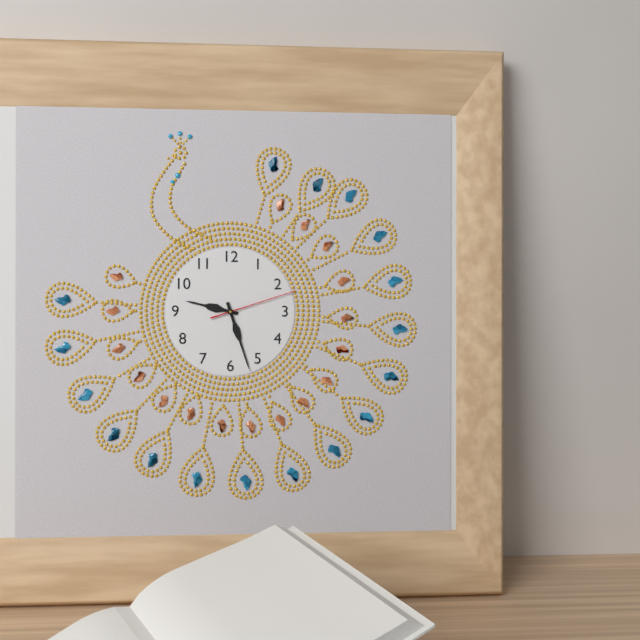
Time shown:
**9:27:12**
